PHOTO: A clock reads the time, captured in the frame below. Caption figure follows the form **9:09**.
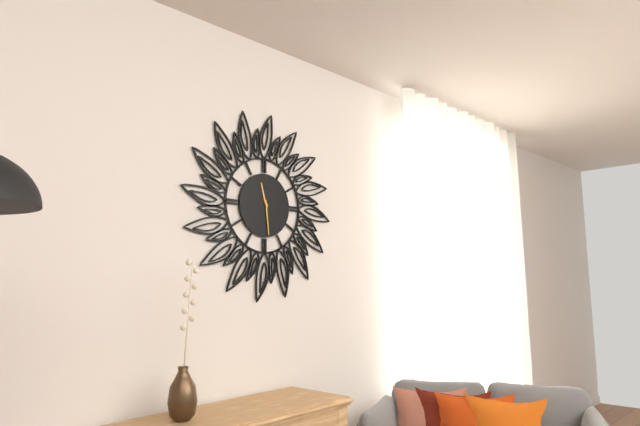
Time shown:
**11:29**
